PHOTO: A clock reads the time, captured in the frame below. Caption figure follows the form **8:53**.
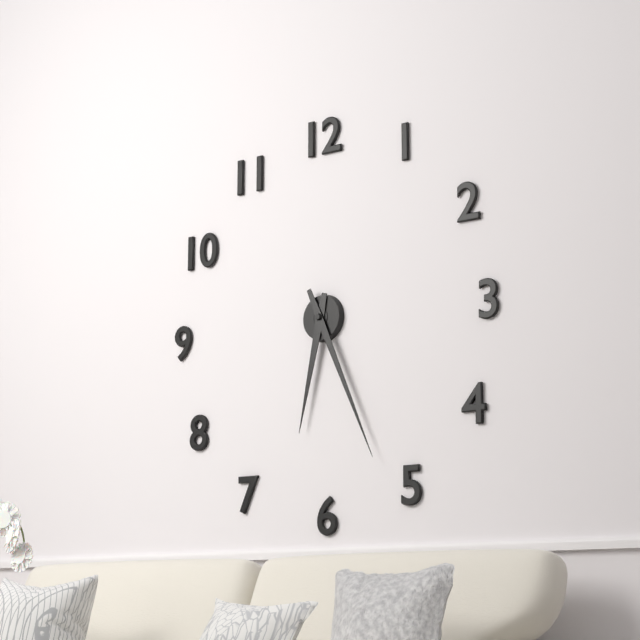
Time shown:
**6:26**
